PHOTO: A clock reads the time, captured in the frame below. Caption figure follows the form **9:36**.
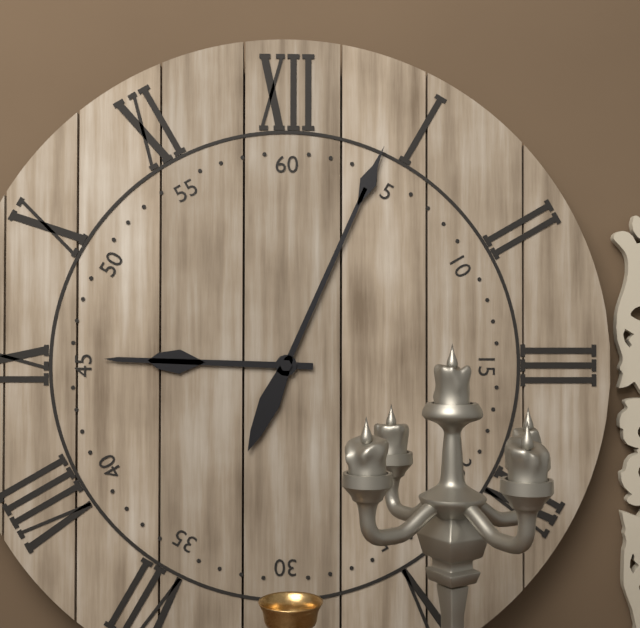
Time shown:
**9:04**
